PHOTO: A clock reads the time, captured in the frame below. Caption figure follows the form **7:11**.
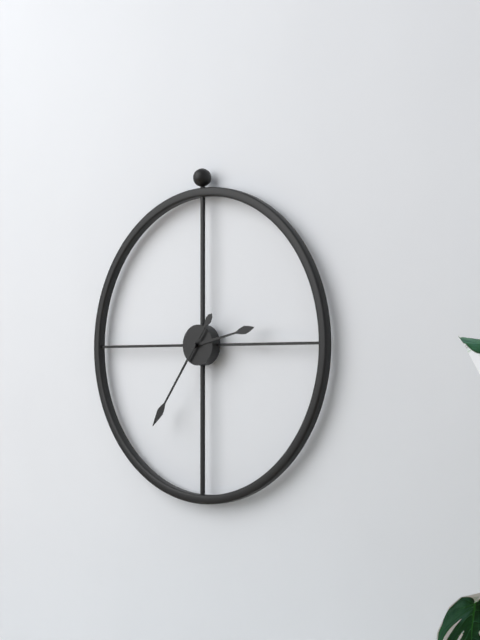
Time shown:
**2:36**
